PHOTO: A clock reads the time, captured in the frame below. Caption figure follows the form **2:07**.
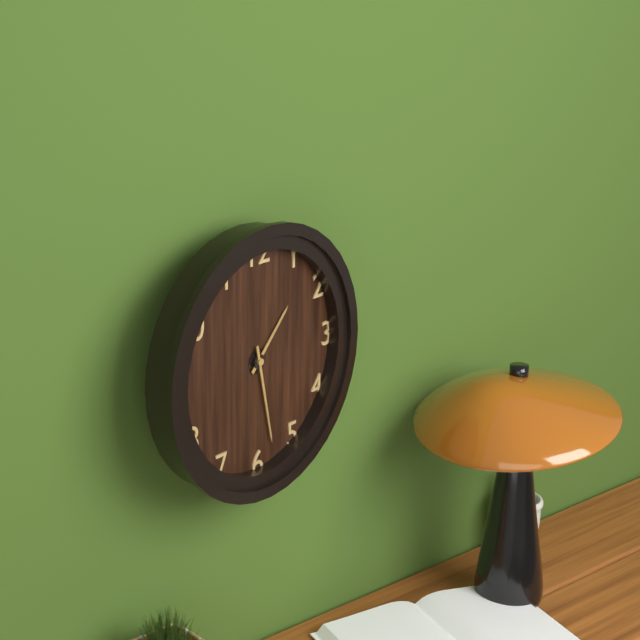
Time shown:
**1:28**
